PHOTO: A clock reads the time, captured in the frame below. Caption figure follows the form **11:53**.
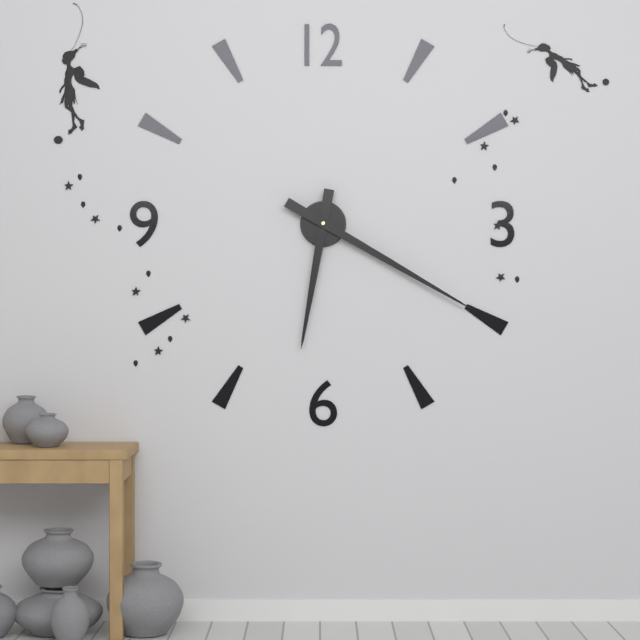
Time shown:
**6:20**
